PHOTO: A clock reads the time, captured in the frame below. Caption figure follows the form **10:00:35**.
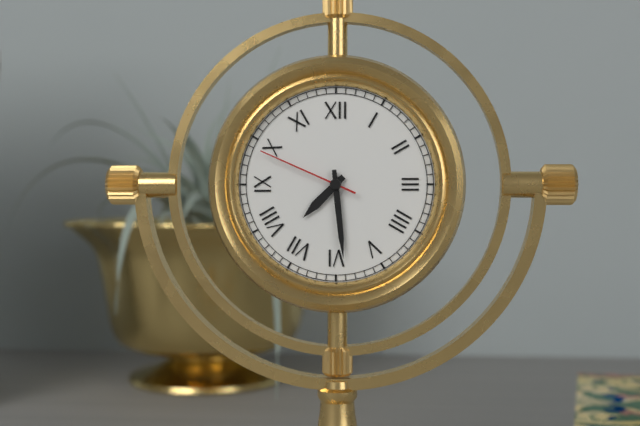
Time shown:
**7:29:49**
